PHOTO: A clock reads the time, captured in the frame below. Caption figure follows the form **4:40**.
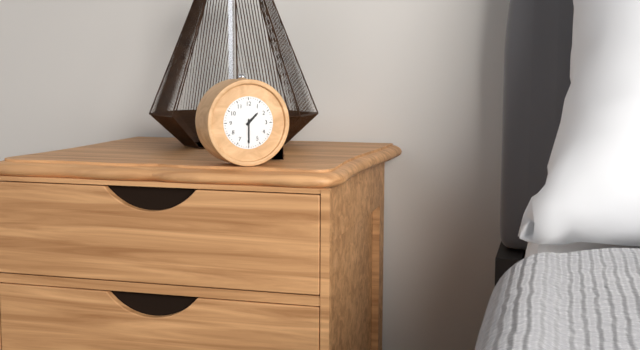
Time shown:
**1:30**
